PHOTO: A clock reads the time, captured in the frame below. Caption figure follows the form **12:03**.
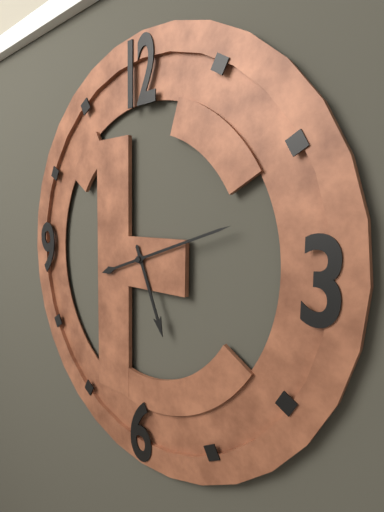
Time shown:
**5:12**
